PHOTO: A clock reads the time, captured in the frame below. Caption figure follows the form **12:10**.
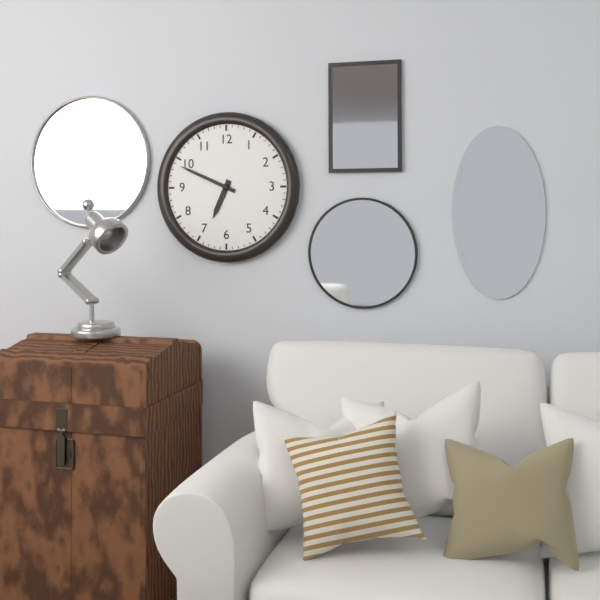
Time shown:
**6:49**
